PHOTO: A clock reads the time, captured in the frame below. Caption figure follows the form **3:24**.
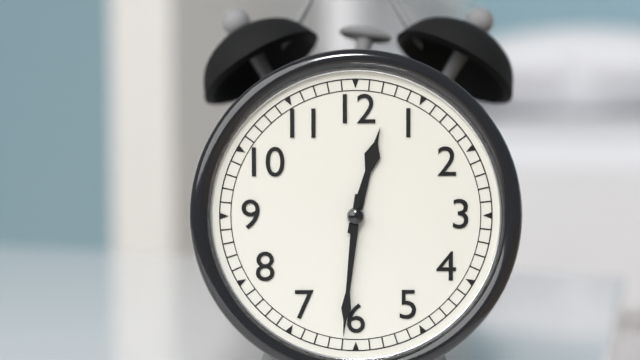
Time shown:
**12:31**
